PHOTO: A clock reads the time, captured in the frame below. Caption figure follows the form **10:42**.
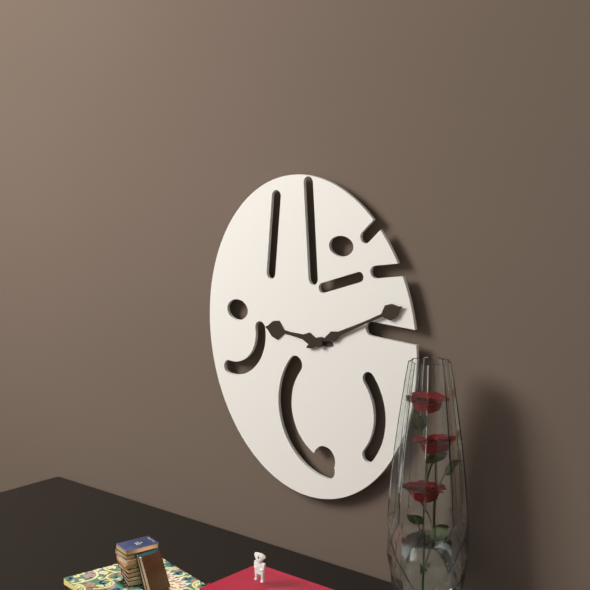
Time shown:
**9:11**
